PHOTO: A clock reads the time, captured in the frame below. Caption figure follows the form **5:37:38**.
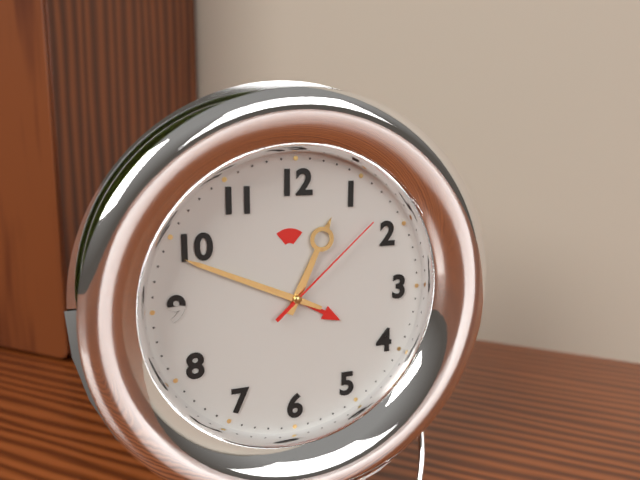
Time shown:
**12:49:08**
